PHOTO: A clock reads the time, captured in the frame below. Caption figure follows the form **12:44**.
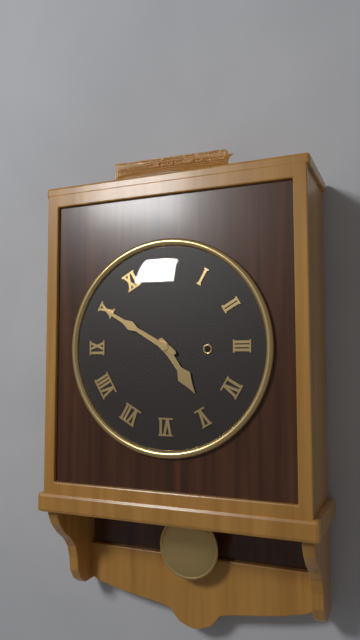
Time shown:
**4:50**
